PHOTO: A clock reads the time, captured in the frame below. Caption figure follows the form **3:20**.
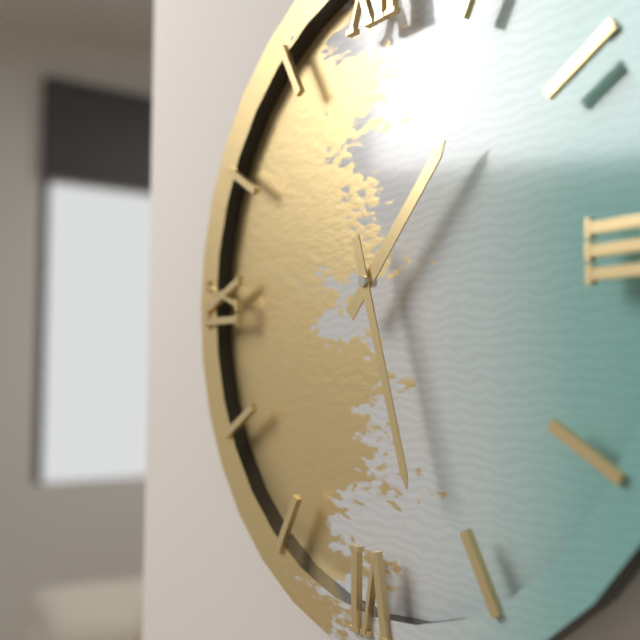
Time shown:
**1:27**
